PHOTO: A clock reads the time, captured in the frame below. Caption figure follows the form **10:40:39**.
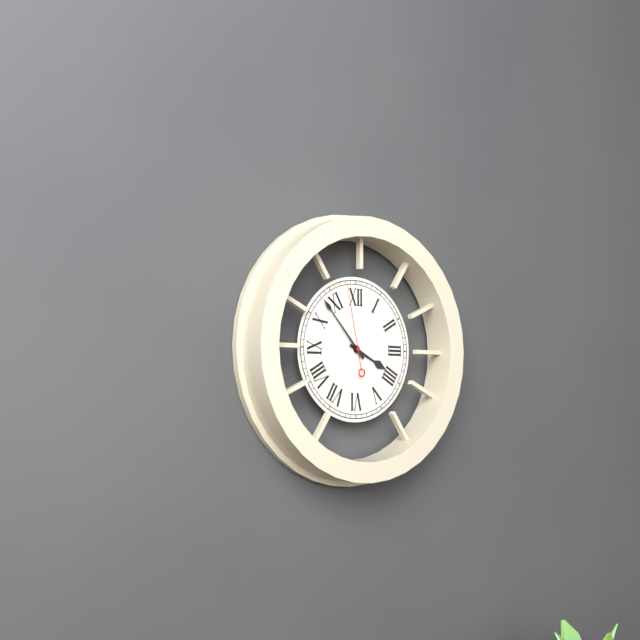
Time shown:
**3:53:58**
